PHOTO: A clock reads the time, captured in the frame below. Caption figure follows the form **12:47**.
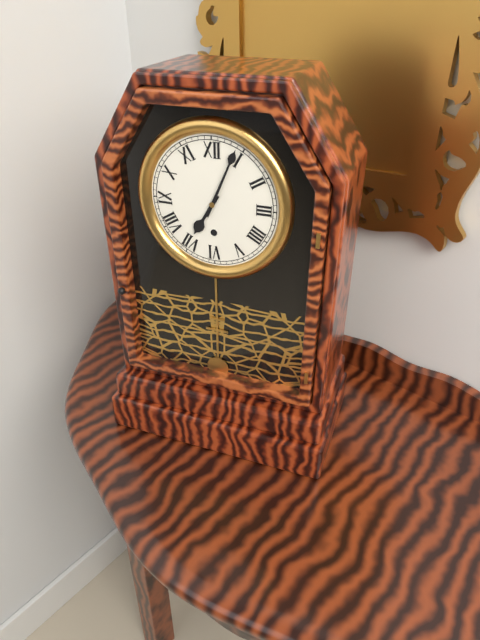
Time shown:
**7:04**
